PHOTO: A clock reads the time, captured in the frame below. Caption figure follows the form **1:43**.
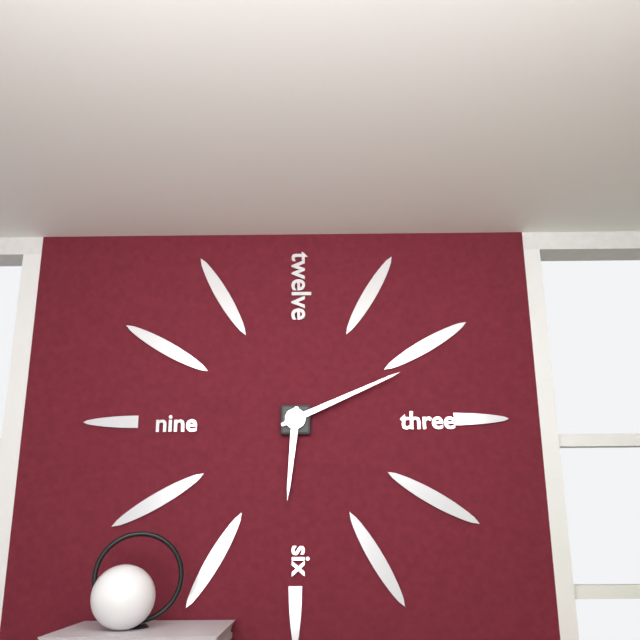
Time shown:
**6:11**
